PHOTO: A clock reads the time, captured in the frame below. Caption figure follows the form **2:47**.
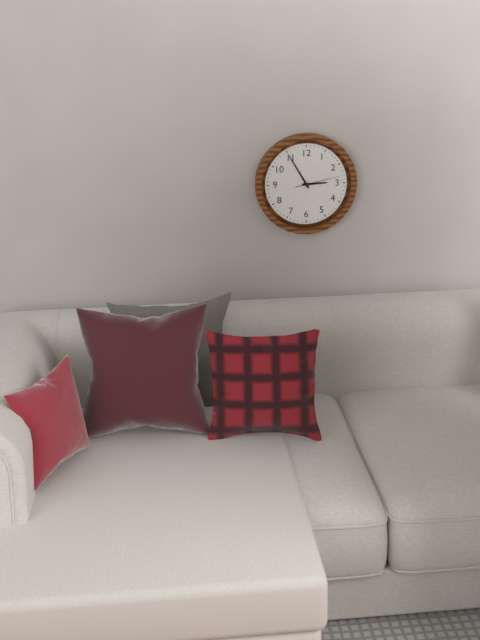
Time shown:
**2:55**
